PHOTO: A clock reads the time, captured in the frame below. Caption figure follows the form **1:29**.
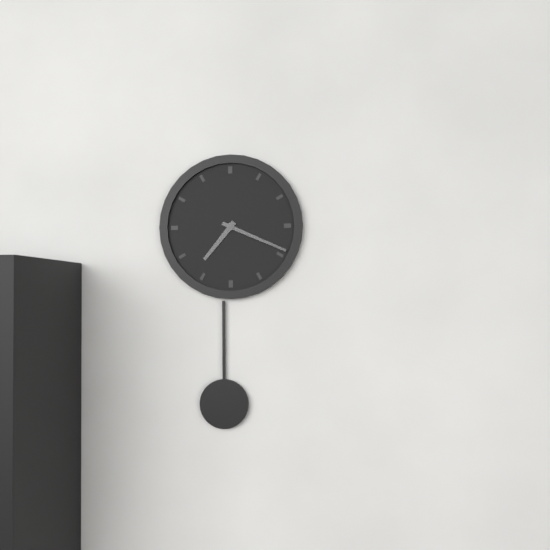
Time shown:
**7:19**
